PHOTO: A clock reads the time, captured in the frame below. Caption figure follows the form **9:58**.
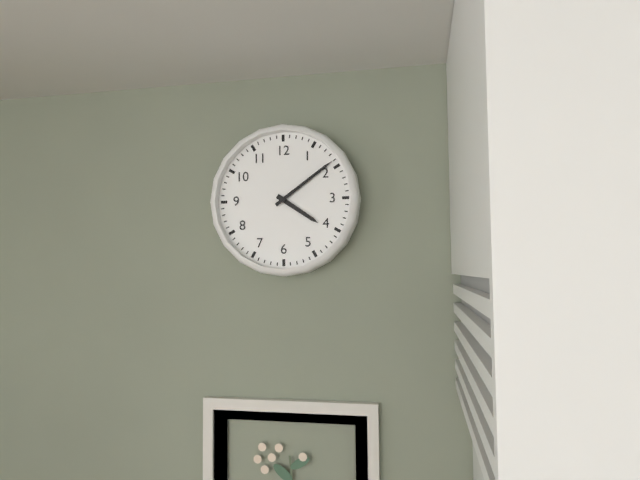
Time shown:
**4:09**
